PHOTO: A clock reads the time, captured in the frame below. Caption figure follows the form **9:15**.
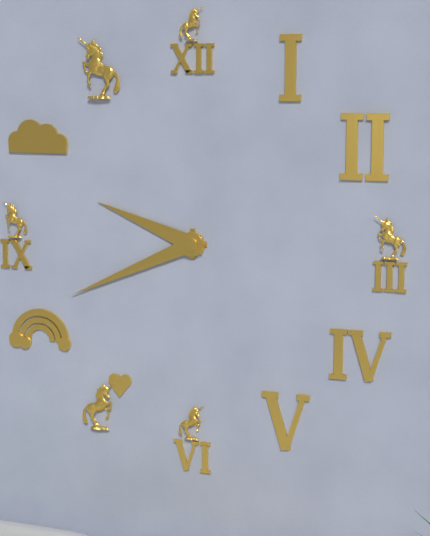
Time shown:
**9:41**
